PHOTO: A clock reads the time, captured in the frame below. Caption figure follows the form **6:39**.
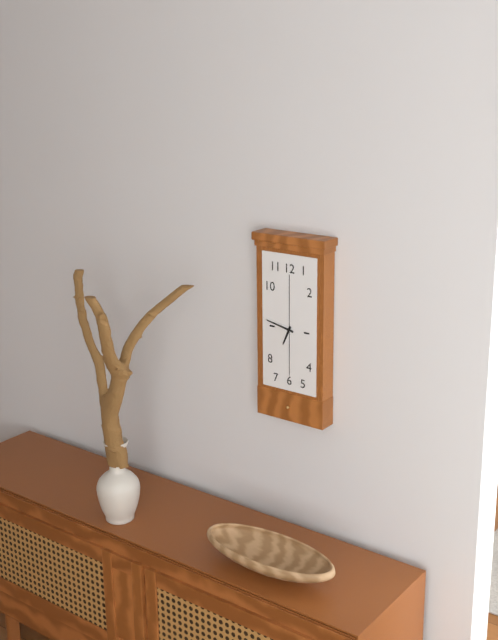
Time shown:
**6:47**
